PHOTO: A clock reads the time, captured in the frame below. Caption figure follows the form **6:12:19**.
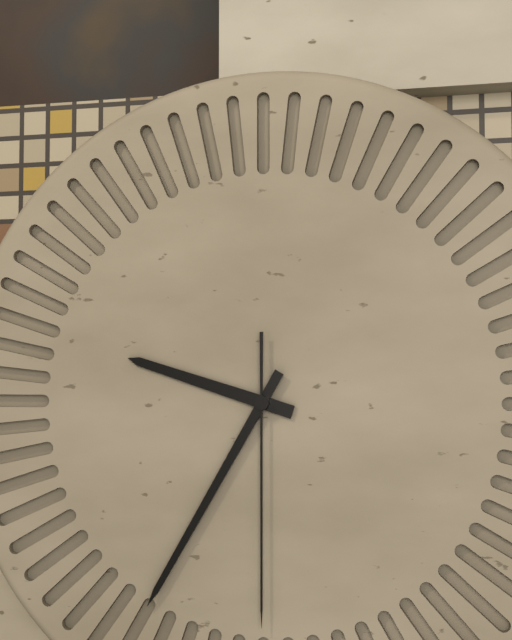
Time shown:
**9:35:30**
